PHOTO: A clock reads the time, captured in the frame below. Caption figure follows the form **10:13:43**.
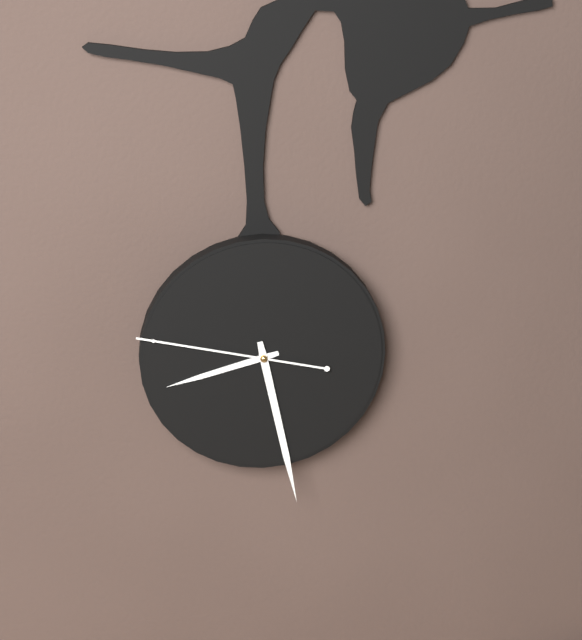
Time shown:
**8:28:47**
